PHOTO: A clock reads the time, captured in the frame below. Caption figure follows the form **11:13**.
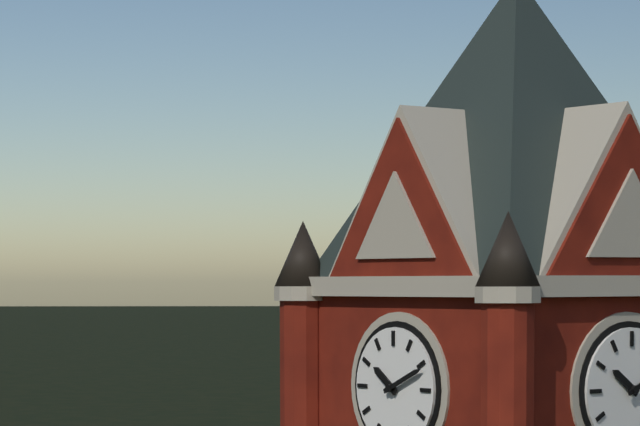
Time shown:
**10:11**
